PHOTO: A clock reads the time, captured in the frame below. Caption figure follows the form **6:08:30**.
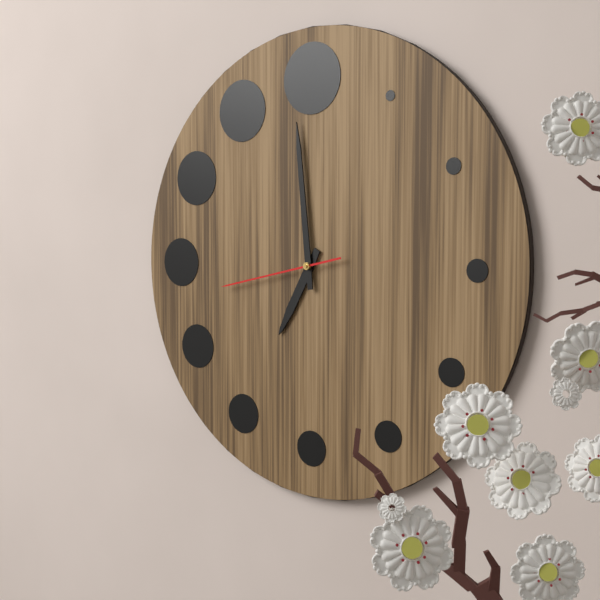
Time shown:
**6:59:43**
